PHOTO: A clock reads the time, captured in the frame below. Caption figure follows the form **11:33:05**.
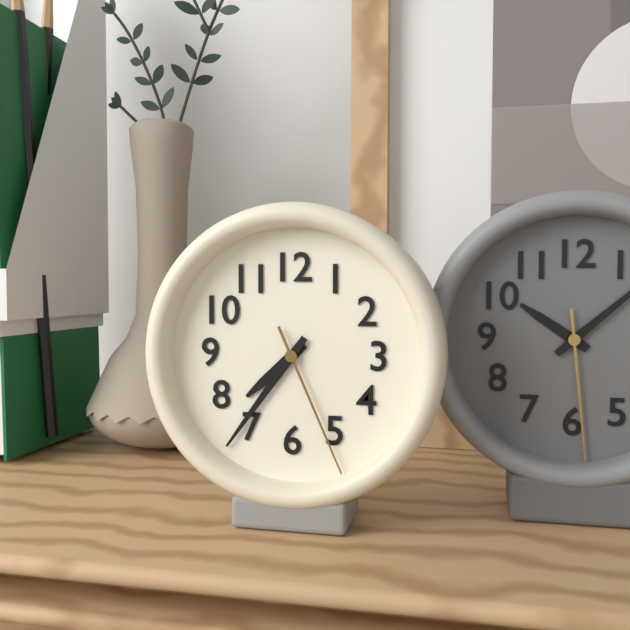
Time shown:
**7:36:26**
